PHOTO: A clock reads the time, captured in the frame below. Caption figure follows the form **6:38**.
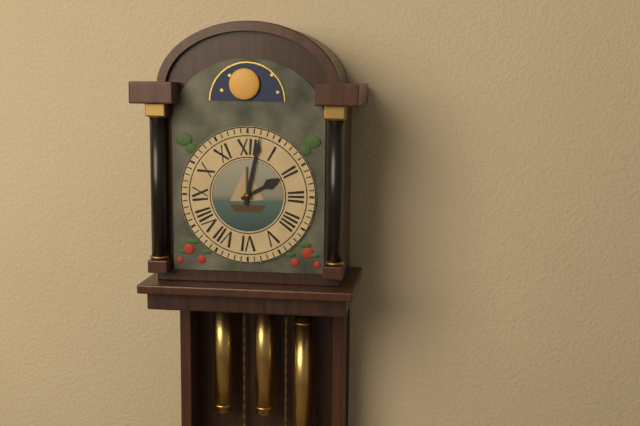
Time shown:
**2:02**
